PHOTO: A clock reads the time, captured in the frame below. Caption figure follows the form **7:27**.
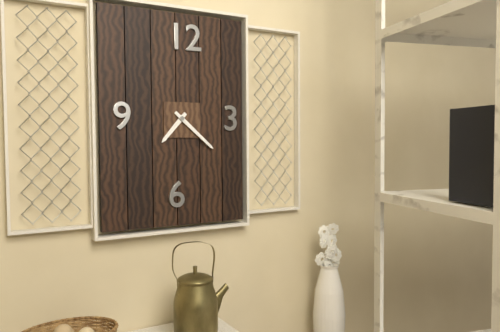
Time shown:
**7:22**
